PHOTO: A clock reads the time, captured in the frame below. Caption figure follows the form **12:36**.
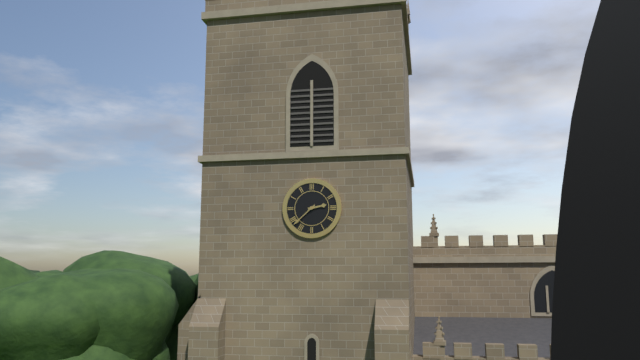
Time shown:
**2:38**
